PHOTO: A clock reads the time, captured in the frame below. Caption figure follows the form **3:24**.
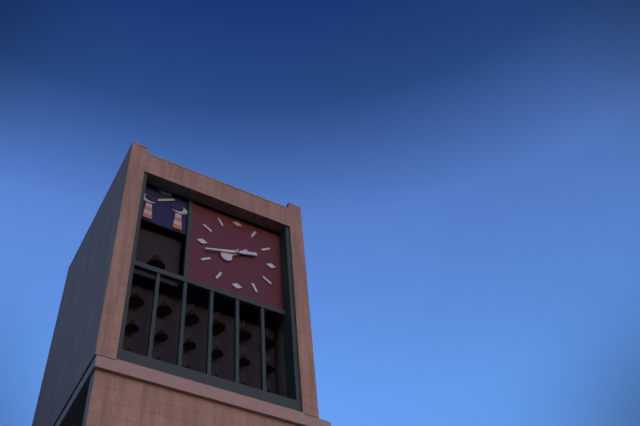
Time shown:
**7:42**
